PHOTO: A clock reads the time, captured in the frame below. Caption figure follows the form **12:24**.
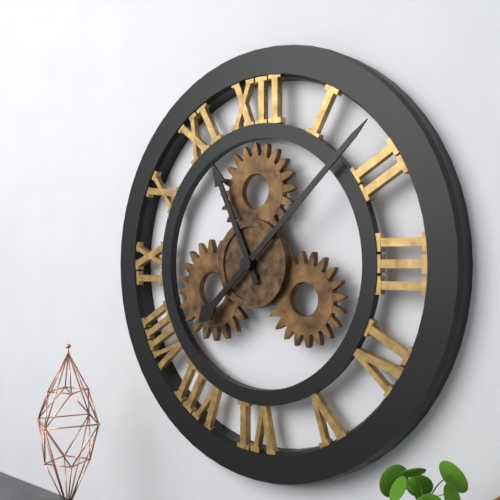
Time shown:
**11:08**
